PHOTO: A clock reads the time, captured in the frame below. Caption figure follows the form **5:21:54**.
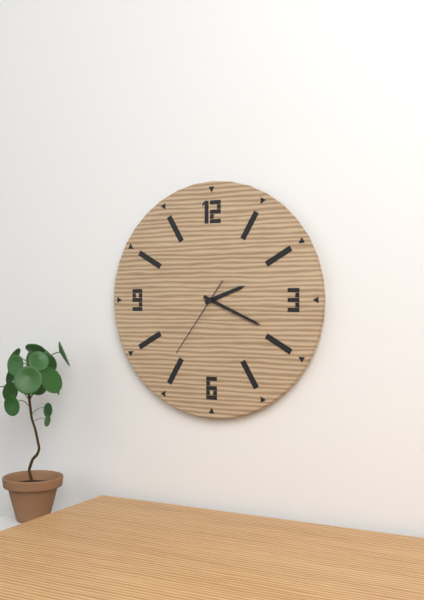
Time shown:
**2:19:36**
